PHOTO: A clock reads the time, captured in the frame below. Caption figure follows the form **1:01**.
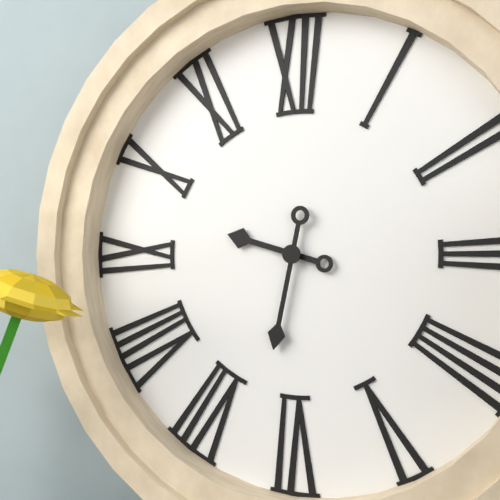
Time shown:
**9:32**
